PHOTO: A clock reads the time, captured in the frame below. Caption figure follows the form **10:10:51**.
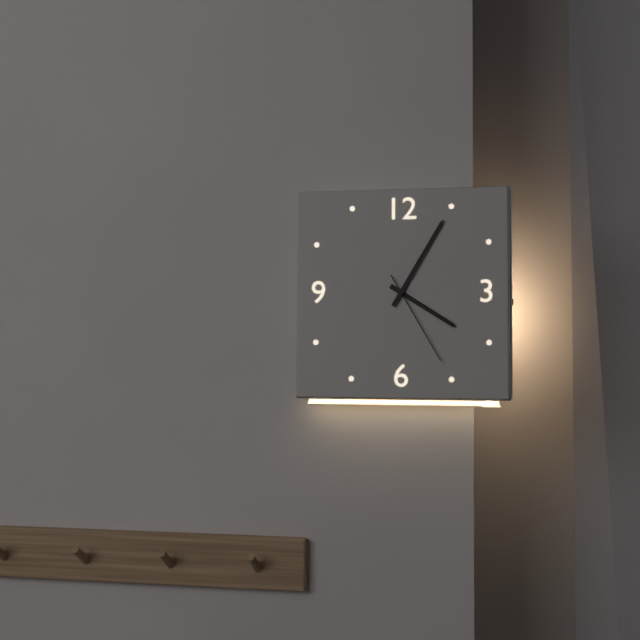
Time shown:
**4:05:25**
